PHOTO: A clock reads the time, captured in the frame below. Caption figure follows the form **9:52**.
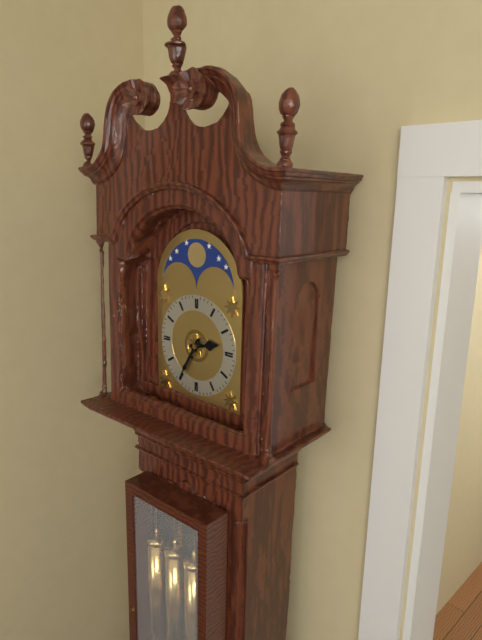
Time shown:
**2:35**
